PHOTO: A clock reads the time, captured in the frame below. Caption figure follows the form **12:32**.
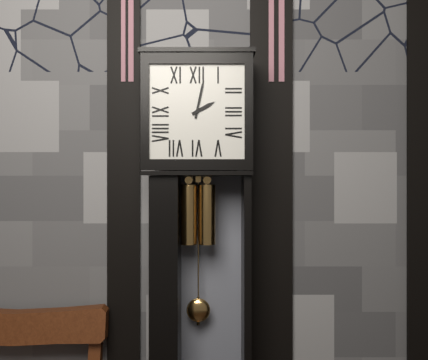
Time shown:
**2:02**
